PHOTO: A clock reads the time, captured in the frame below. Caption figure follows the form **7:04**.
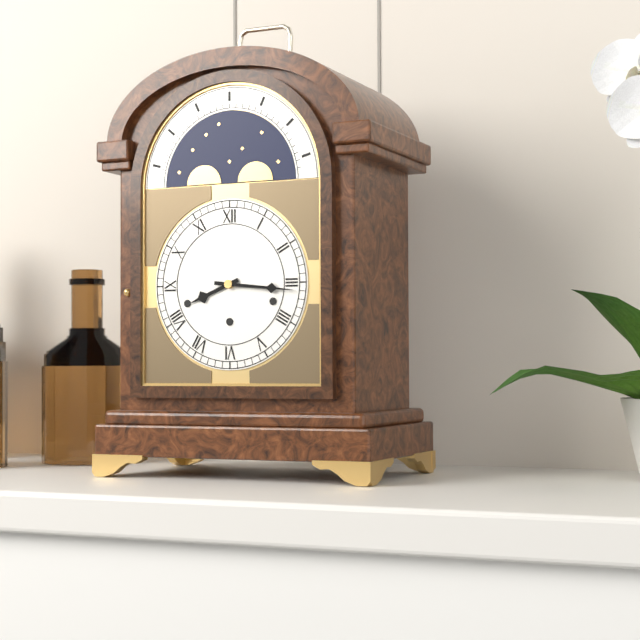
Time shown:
**8:16**
